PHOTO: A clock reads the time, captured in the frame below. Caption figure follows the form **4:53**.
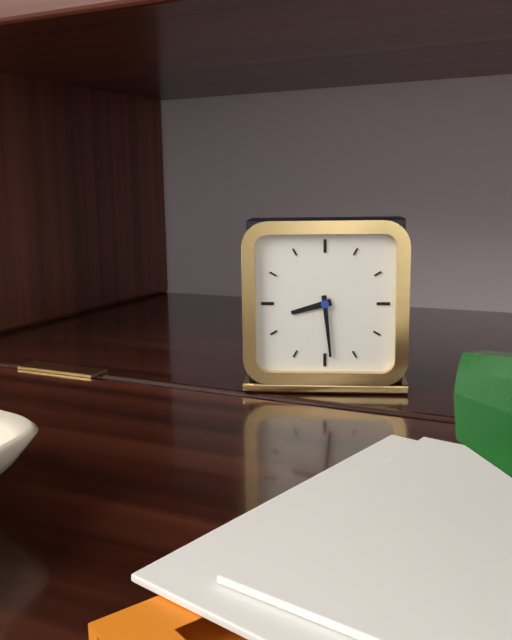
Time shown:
**8:29**
